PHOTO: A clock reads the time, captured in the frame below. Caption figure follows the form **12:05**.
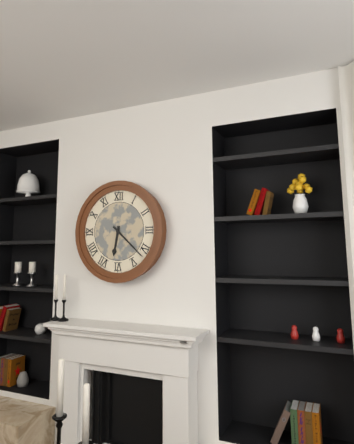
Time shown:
**6:22**
